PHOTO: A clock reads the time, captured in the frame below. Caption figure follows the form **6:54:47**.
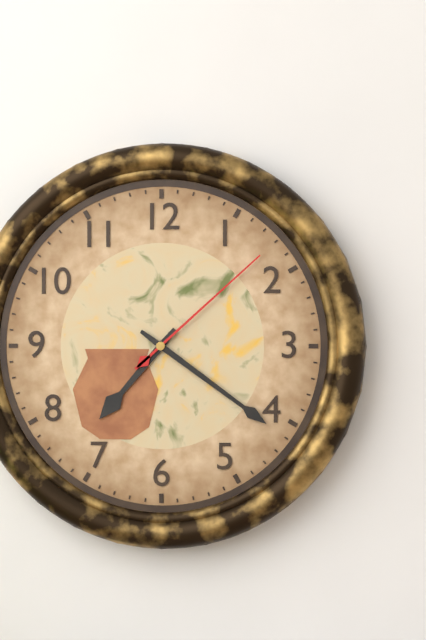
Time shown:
**7:21:08**
